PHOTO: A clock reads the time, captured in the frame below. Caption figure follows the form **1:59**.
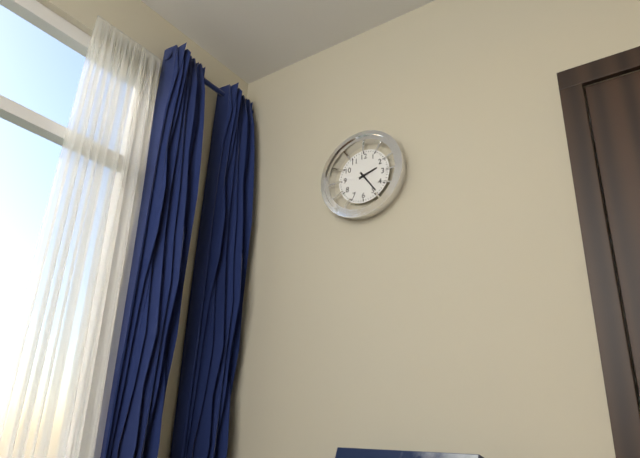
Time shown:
**2:24**
